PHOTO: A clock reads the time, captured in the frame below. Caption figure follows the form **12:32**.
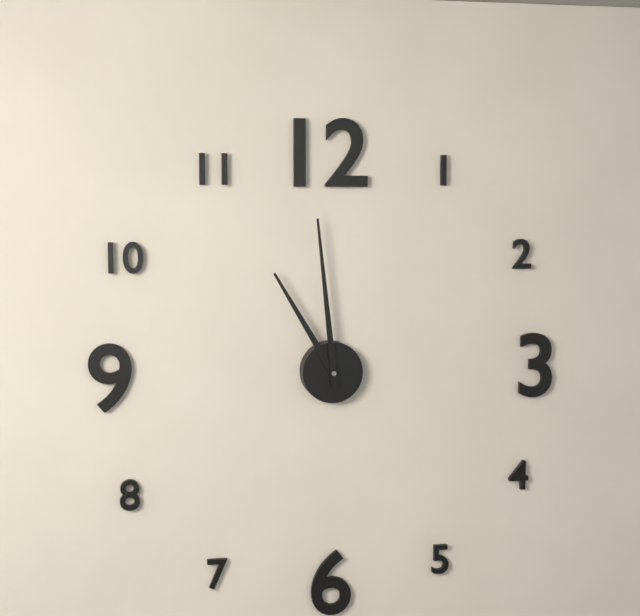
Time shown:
**10:59**
